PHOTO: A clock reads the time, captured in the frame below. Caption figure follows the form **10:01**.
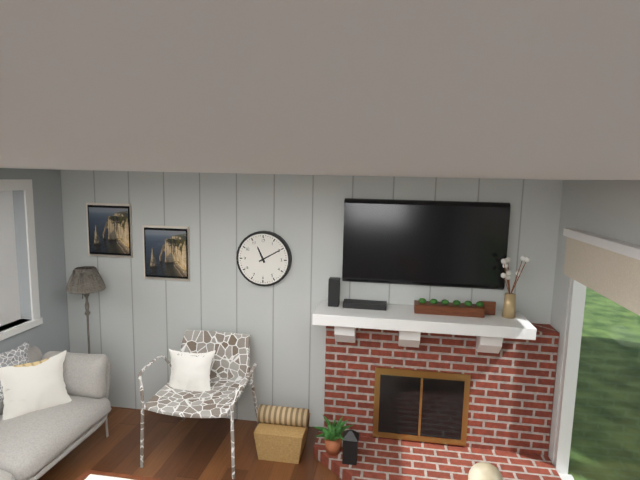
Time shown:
**11:10**
